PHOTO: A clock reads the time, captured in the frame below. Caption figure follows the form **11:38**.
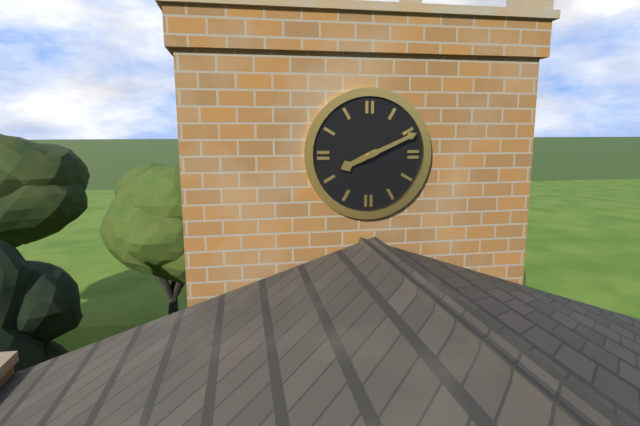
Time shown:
**8:11**
